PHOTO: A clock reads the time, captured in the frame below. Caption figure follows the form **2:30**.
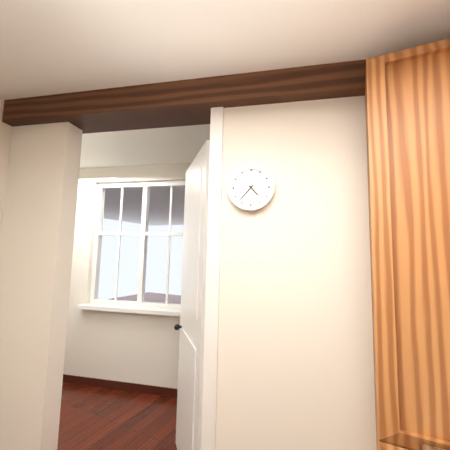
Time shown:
**4:37**
